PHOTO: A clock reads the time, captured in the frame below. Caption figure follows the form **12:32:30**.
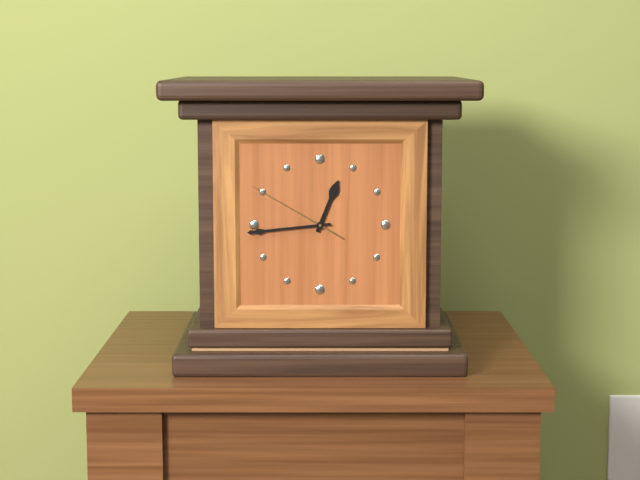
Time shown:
**12:44:50**
